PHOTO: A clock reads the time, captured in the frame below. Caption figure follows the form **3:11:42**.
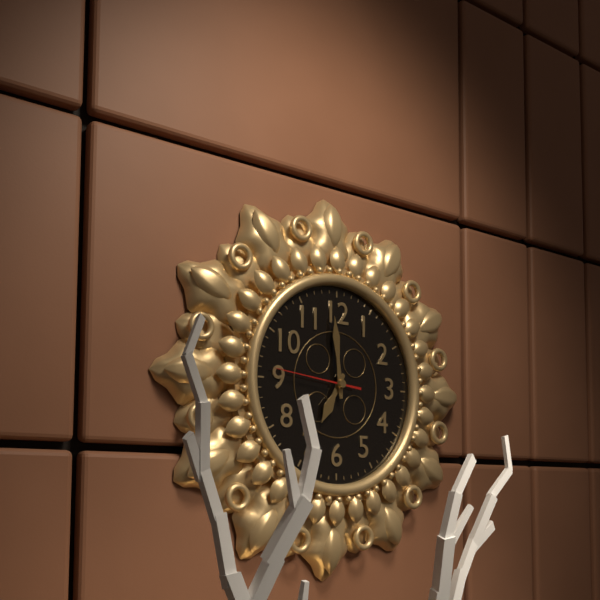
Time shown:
**6:59:46**
